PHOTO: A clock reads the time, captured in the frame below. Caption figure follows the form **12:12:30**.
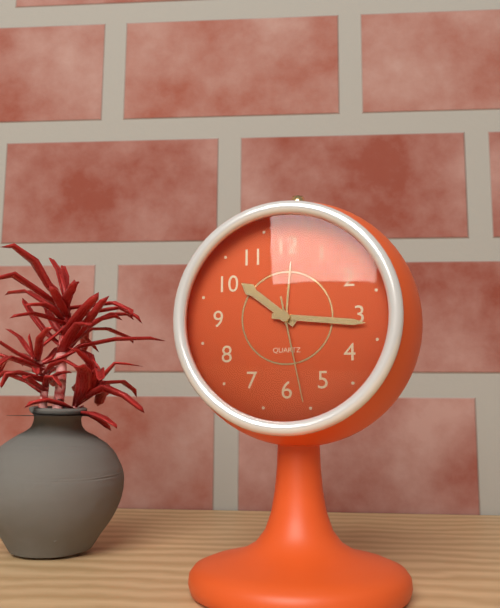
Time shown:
**10:16:28**
